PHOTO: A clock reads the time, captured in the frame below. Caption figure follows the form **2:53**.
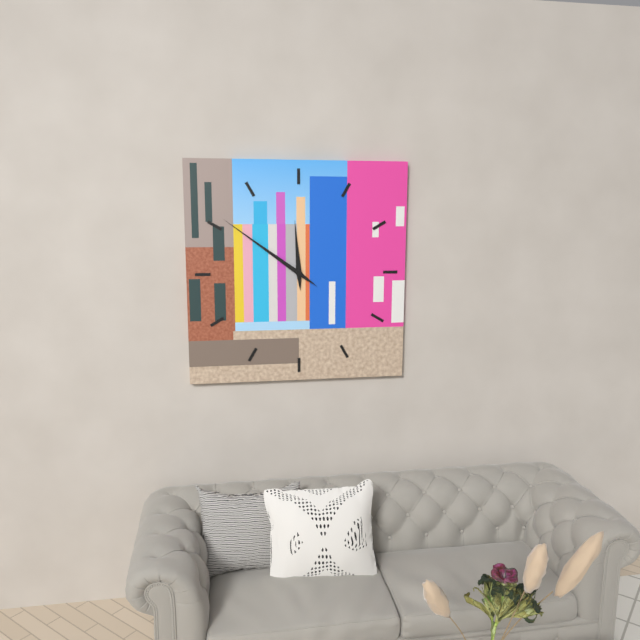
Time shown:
**11:51**
